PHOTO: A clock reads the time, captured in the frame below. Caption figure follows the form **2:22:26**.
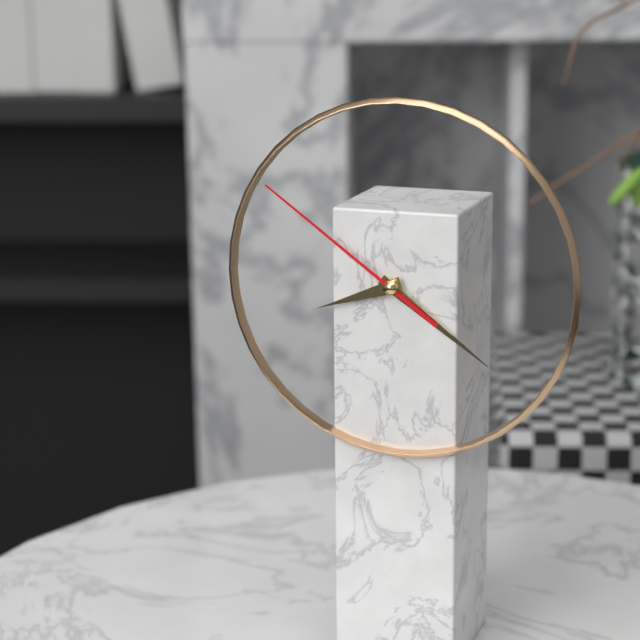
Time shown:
**8:21:51**
